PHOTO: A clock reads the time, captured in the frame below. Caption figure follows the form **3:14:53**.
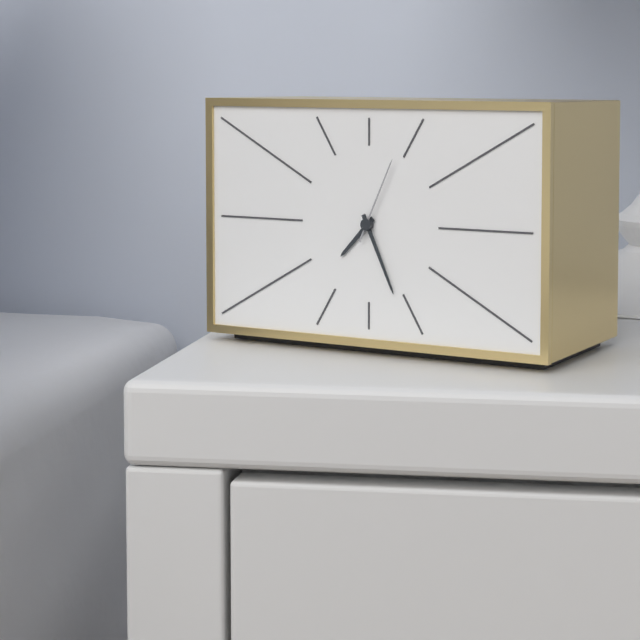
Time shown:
**7:26:04**
